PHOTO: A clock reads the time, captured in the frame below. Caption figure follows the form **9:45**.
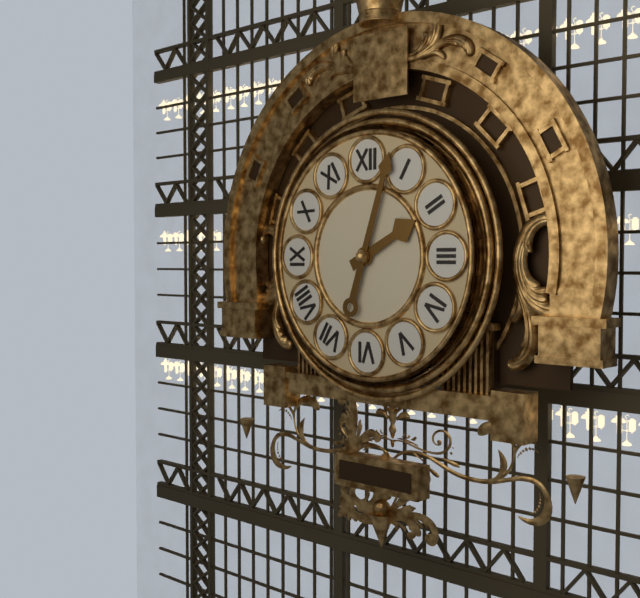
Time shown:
**2:03**
